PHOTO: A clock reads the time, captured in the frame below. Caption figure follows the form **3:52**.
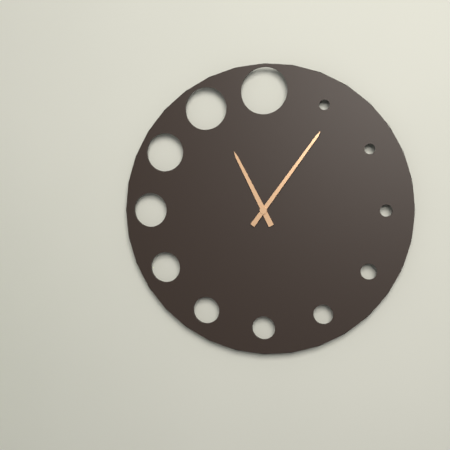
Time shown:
**11:06**
